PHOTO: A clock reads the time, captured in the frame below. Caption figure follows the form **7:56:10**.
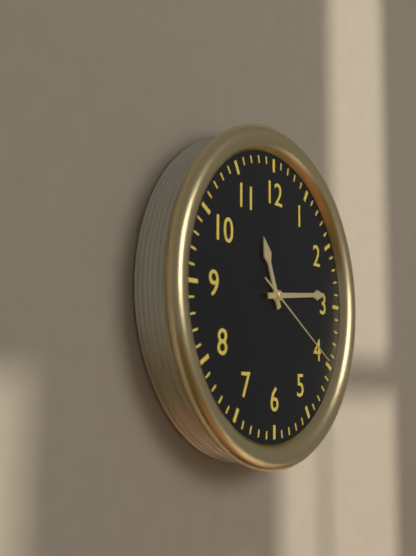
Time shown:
**11:14:20**
